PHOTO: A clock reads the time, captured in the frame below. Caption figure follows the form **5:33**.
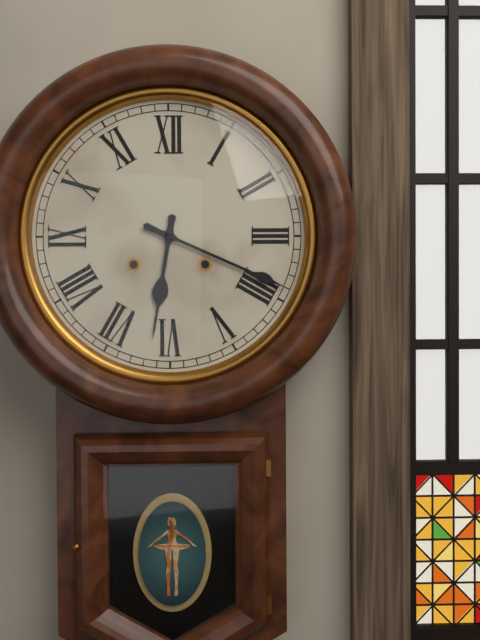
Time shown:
**6:19**
